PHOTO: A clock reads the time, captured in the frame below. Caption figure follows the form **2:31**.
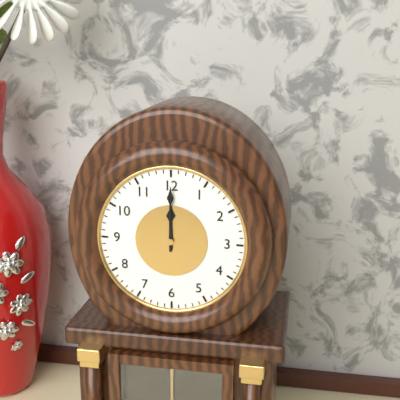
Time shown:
**12:00**
